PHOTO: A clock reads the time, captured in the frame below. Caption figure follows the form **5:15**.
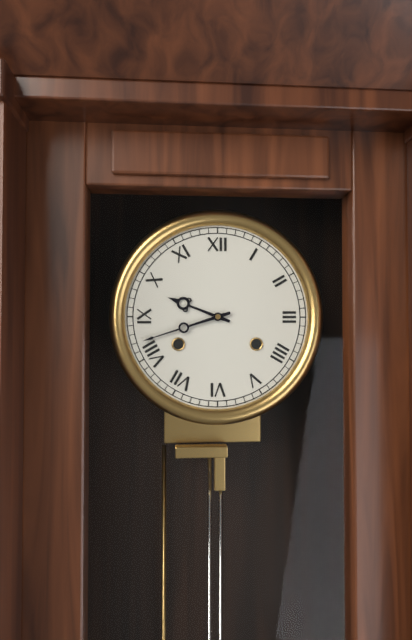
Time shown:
**9:42**
